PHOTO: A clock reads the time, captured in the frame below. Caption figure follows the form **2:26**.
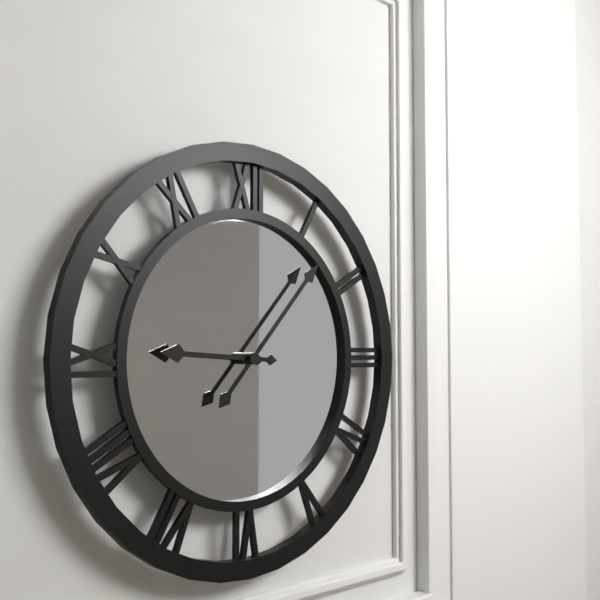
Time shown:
**9:07**
